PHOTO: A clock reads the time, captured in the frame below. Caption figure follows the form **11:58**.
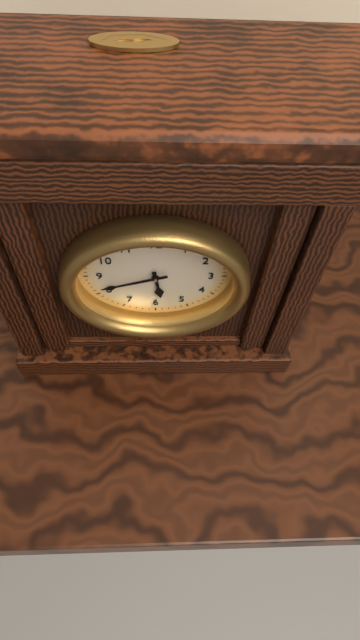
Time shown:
**5:42**
